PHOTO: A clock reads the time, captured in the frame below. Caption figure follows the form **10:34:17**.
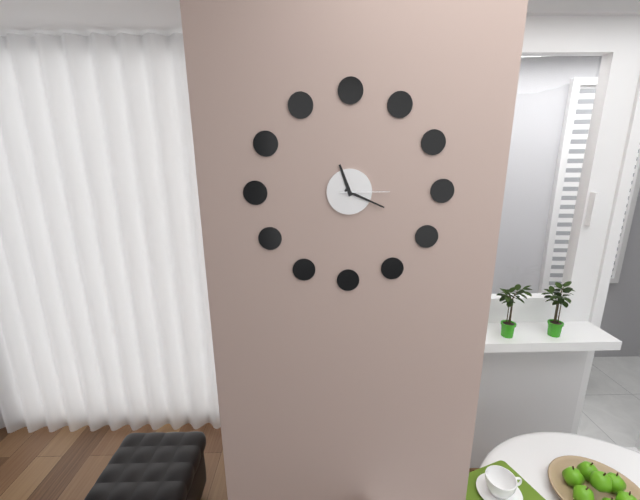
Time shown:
**11:19:15**
